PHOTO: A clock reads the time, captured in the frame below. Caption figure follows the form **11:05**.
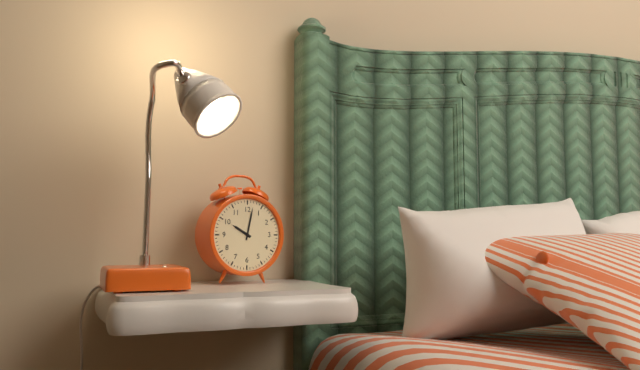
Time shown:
**10:02**
